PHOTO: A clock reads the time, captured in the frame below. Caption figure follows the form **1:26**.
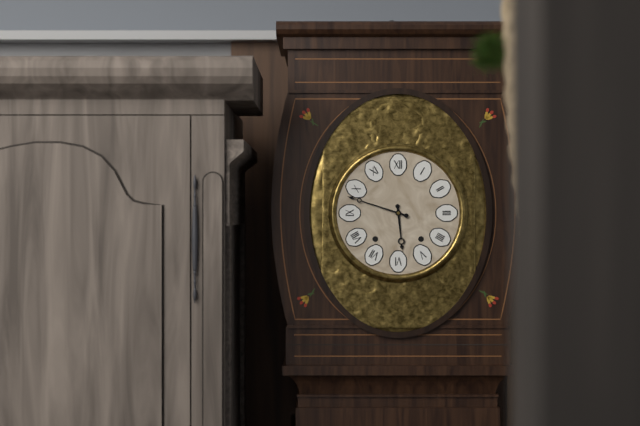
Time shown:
**5:48**
